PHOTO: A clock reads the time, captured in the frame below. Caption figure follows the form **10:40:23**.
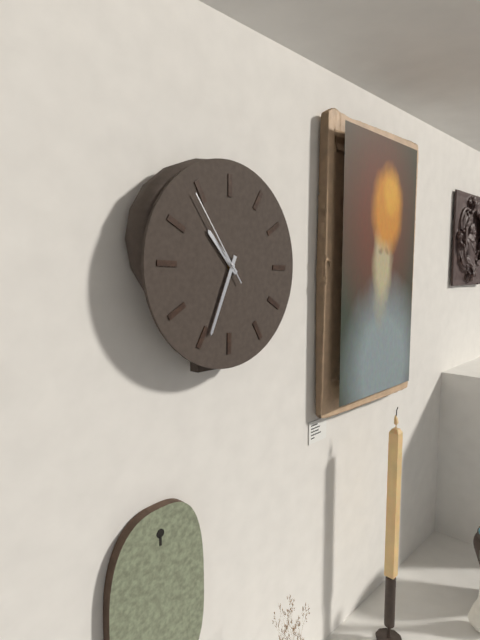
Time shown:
**10:34:54**
